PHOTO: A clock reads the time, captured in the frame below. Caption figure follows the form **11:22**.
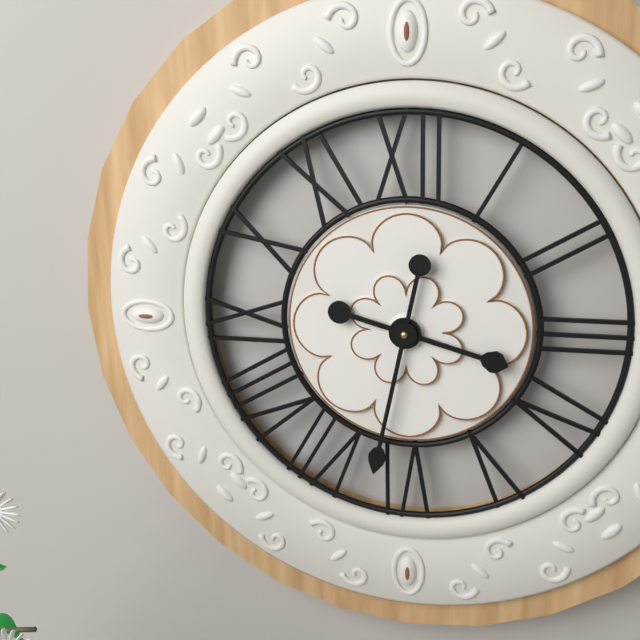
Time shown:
**3:32**
